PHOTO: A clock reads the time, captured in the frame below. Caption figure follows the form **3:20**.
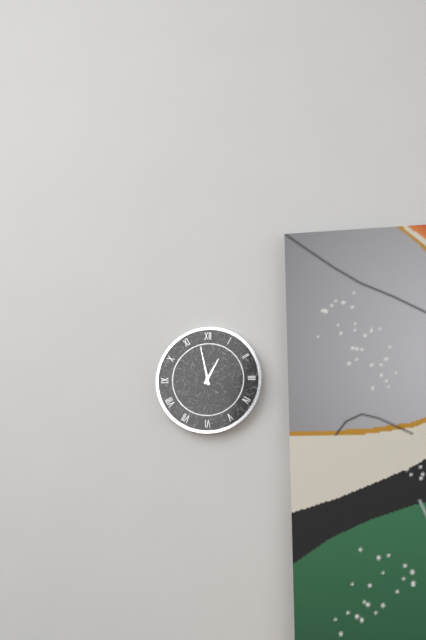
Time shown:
**12:58**
